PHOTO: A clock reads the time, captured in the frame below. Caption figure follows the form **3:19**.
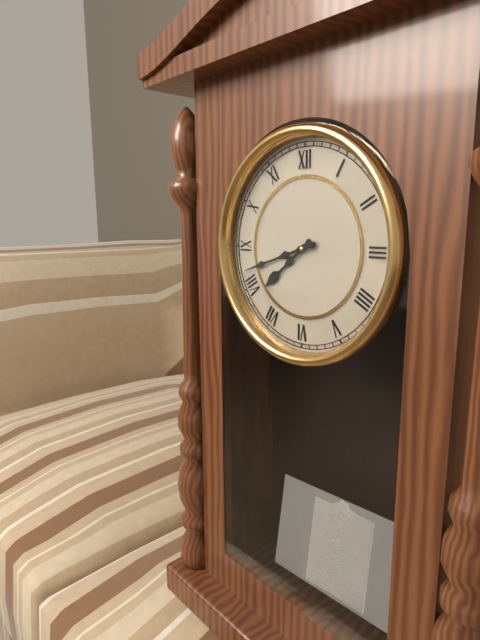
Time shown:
**7:42**
